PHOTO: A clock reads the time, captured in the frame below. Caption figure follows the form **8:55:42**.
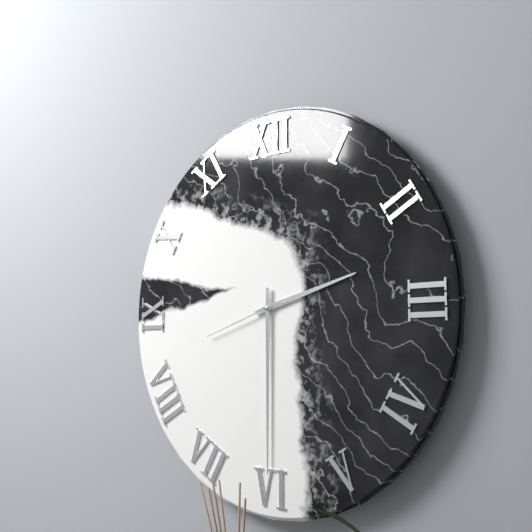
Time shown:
**2:30:42**
